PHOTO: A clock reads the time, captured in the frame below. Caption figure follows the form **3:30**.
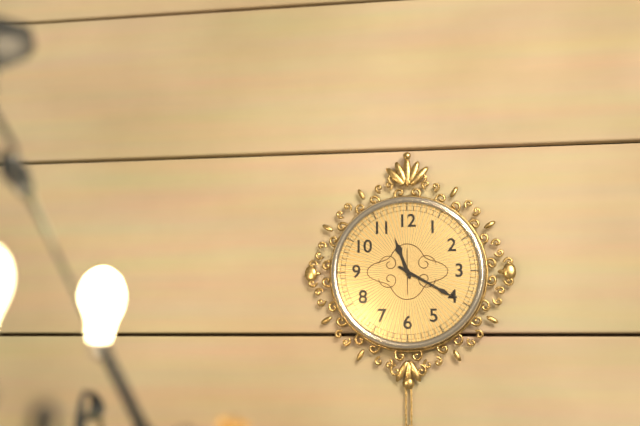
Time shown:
**11:20**
